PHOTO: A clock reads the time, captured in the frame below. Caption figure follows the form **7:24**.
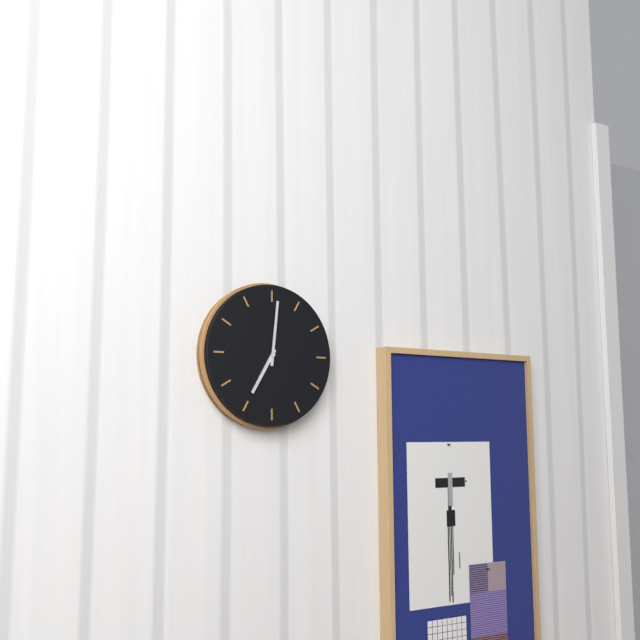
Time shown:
**7:01**
